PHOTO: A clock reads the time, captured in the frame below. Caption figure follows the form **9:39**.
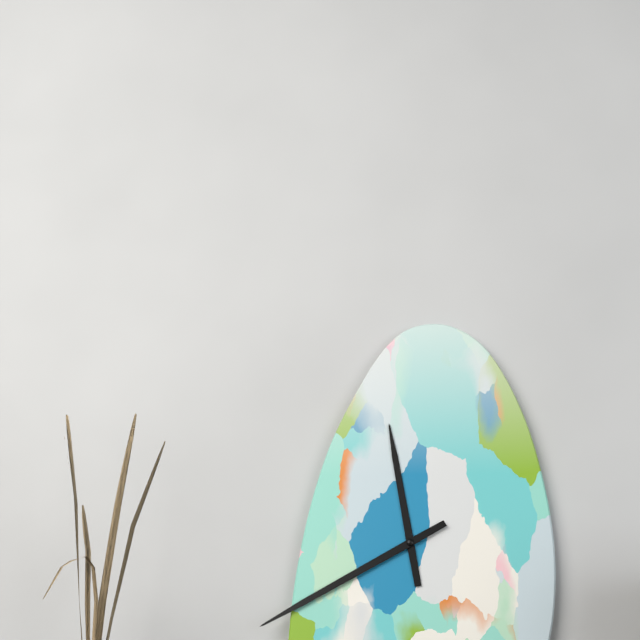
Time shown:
**11:40**
